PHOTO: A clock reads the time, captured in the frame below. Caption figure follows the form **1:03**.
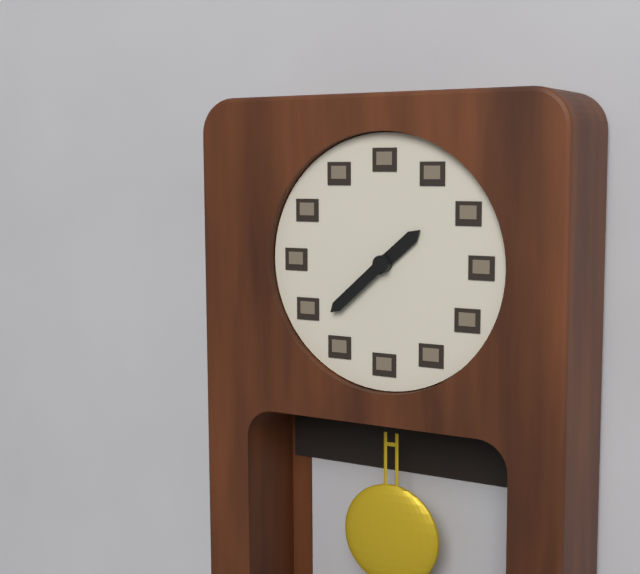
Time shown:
**1:38**
